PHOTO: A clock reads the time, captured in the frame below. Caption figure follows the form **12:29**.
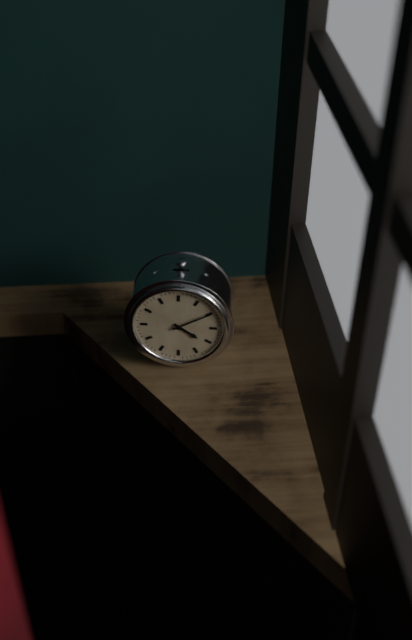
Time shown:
**4:10**
